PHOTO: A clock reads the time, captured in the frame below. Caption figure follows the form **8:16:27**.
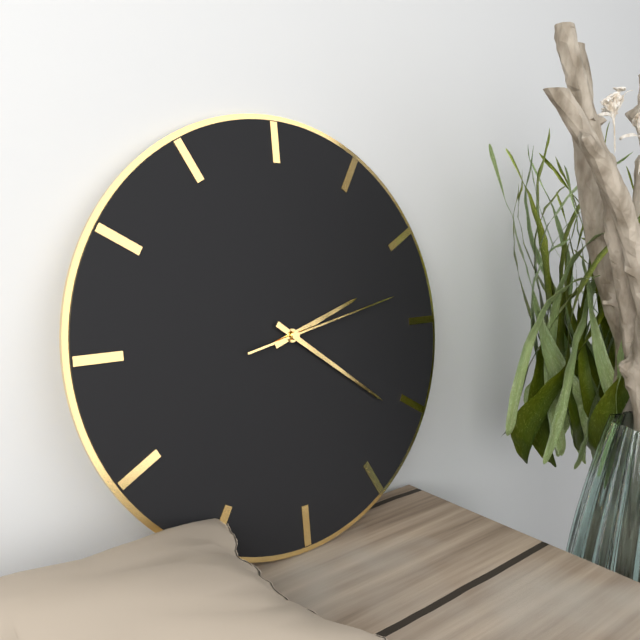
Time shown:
**2:21:13**
